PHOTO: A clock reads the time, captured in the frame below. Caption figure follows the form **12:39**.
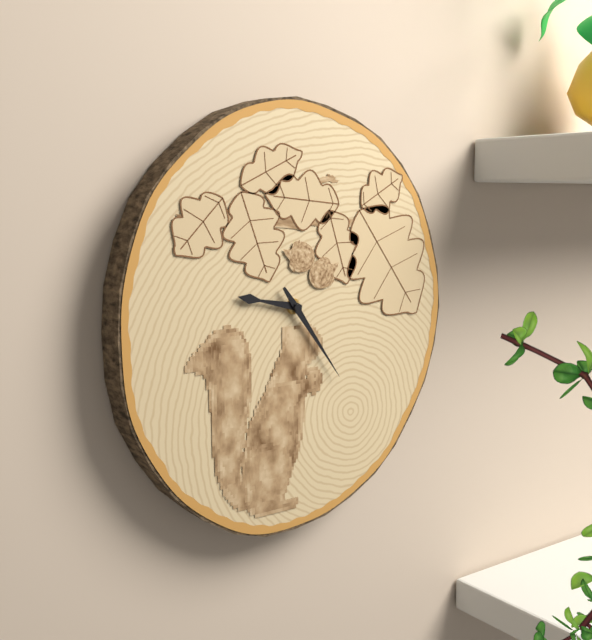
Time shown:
**9:24**
